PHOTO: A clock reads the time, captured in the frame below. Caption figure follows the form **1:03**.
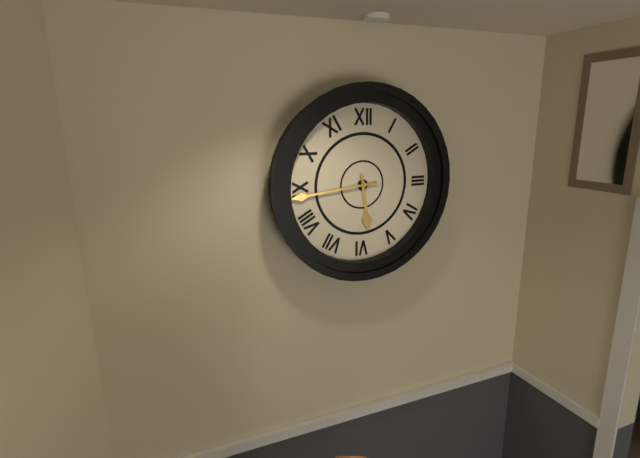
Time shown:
**5:44**
